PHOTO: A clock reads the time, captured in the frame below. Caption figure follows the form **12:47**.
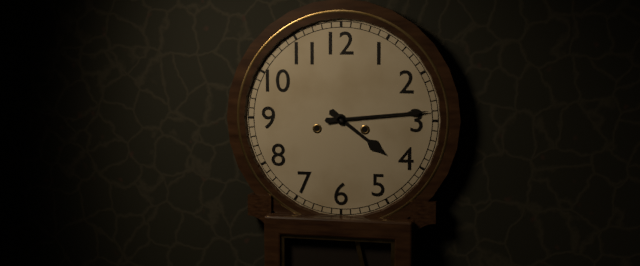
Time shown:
**4:14**
